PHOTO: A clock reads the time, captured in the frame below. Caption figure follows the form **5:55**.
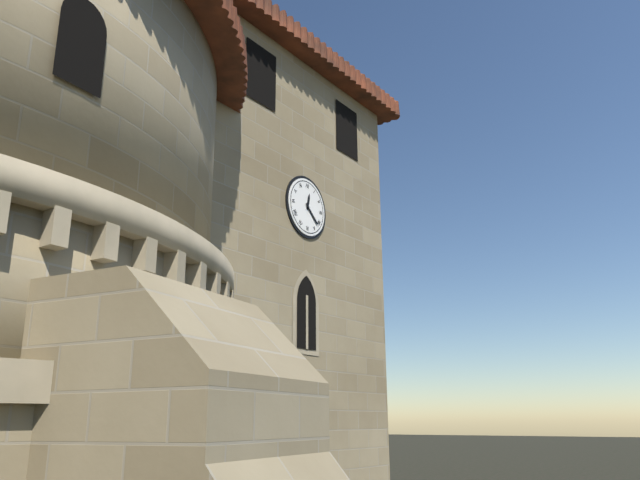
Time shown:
**12:22**
